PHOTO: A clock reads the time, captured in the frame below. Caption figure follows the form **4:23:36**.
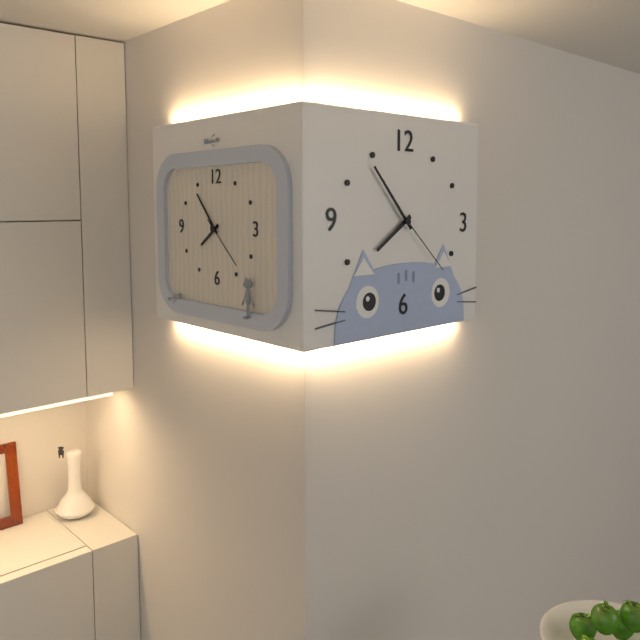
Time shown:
**7:53:22**
